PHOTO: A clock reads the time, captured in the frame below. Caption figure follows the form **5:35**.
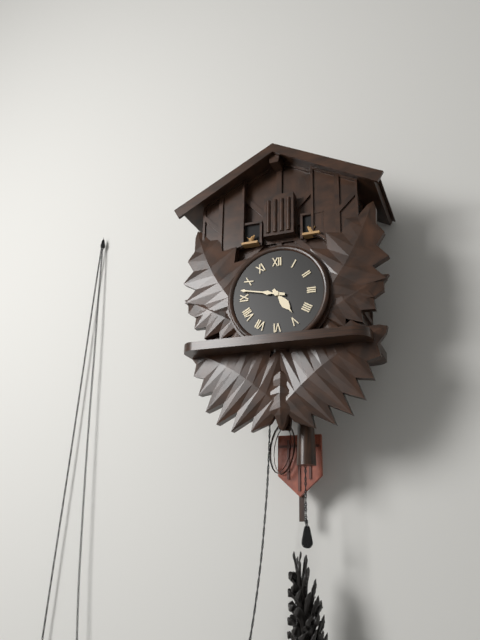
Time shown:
**4:47**
